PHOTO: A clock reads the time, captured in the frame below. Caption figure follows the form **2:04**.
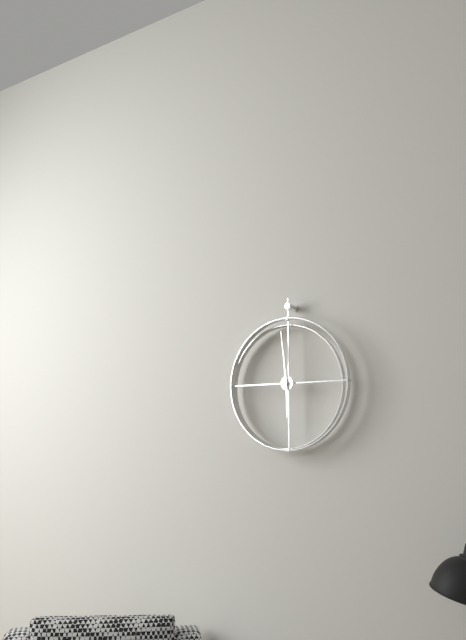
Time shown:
**5:59**
